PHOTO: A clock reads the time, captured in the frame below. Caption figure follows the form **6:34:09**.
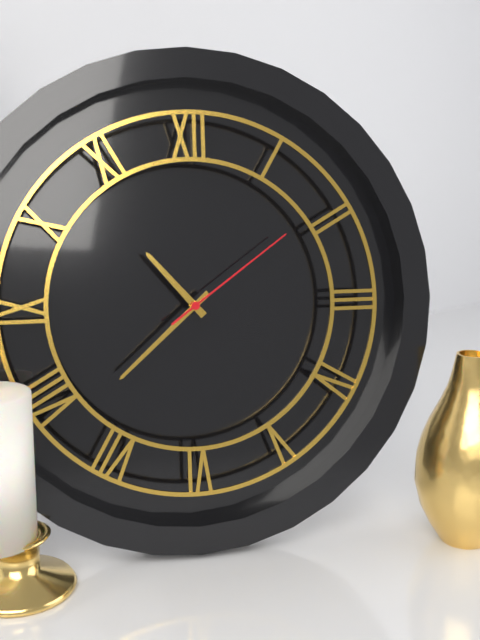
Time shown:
**10:38:09**
